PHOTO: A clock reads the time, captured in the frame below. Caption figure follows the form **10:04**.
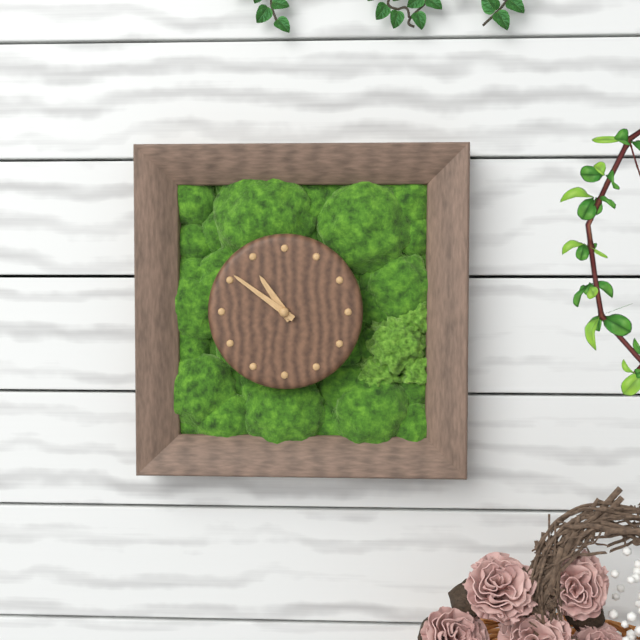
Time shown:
**10:51**
